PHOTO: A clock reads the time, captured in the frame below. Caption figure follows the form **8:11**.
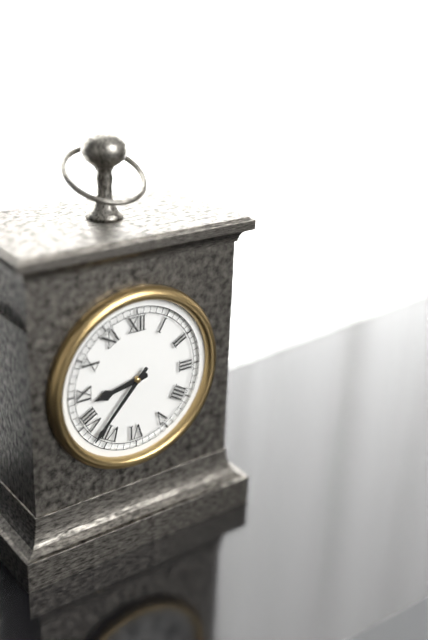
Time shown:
**8:37**
